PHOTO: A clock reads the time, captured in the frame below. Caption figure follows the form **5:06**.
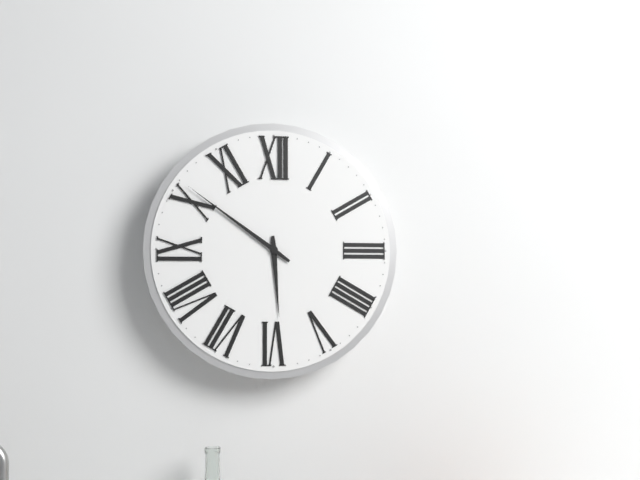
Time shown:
**5:51**
